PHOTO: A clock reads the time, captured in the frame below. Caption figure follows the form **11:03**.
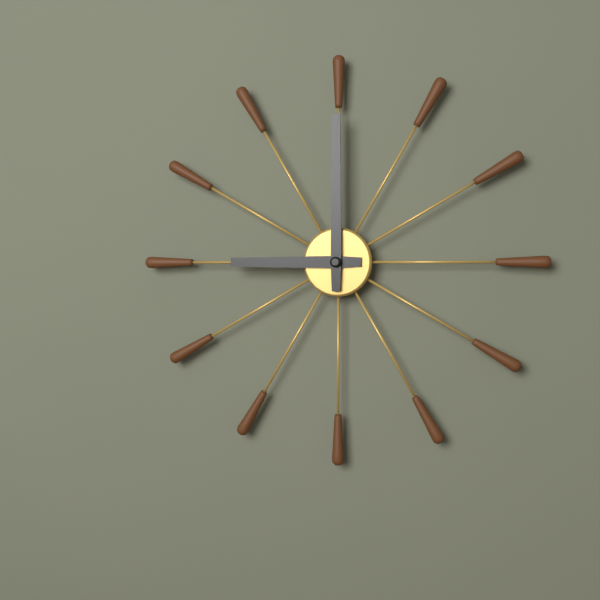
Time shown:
**9:00**
